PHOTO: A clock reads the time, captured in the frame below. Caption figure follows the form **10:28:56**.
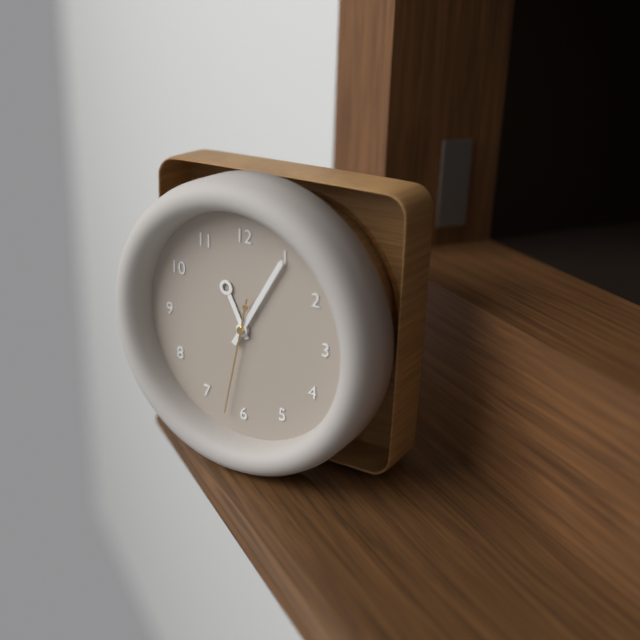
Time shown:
**11:05:32**
